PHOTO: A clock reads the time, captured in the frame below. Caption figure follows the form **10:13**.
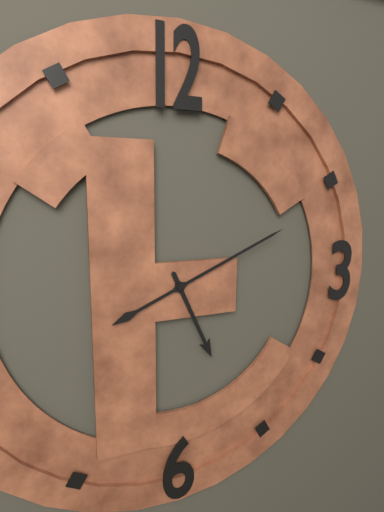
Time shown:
**5:11**
